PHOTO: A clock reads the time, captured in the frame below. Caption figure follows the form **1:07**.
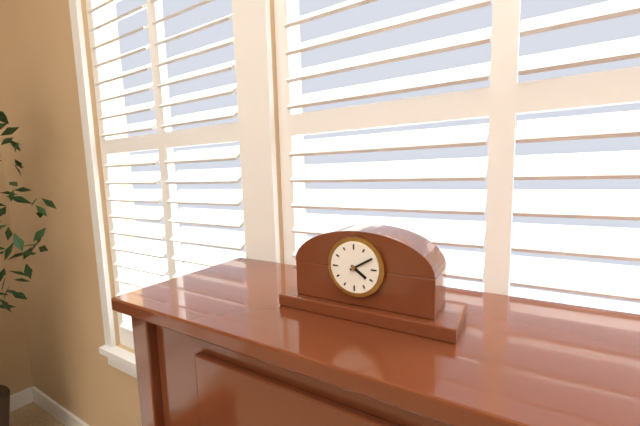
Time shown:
**4:10**
